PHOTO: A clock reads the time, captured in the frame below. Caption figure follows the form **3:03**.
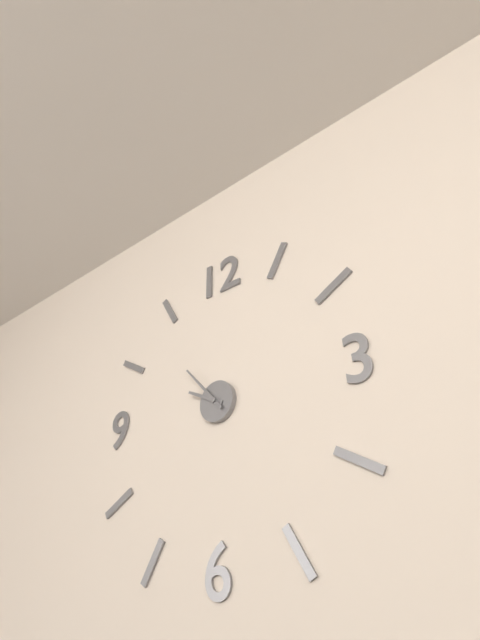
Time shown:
**9:53**
